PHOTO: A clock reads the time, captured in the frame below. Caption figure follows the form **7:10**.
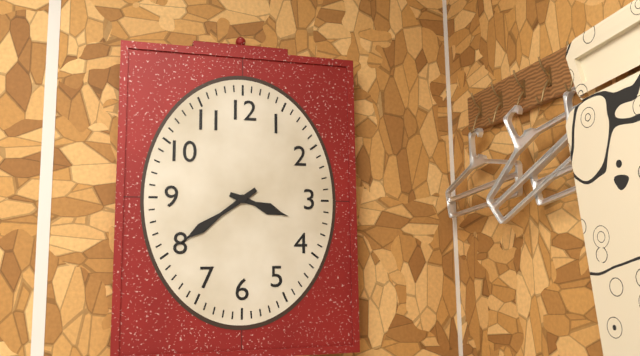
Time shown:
**3:39**
